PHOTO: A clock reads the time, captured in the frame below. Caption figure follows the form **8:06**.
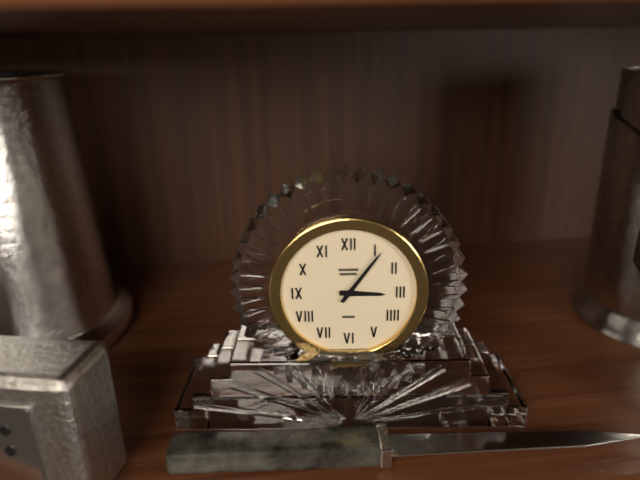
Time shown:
**3:06**
